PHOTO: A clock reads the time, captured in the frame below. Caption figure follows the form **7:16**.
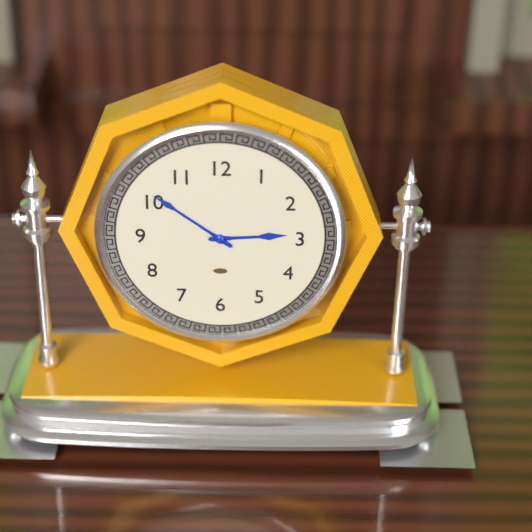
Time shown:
**2:51**
